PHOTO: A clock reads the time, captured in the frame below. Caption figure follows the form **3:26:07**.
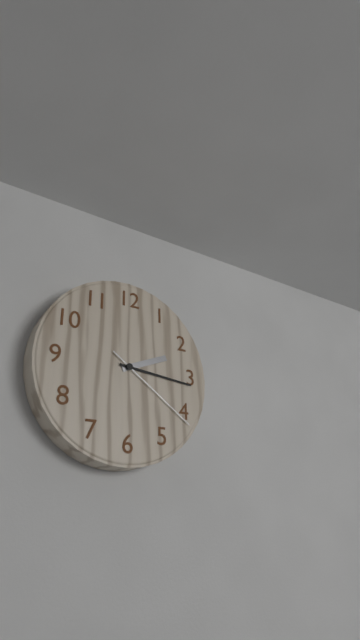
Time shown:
**2:16:21**
